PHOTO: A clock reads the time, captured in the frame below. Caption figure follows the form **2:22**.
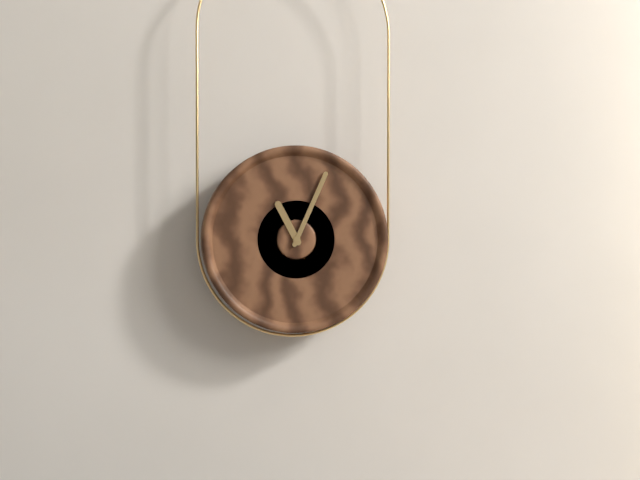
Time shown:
**11:04**
